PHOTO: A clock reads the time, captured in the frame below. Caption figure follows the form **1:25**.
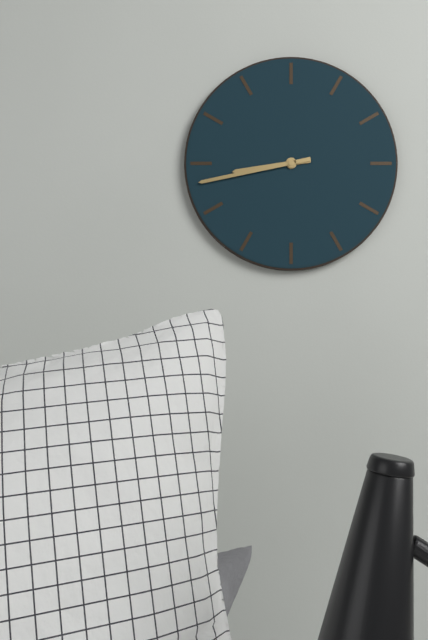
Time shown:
**8:43**
